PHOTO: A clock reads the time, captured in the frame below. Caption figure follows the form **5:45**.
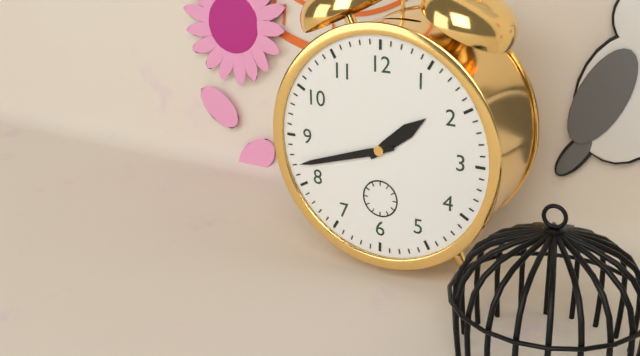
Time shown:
**1:42**
